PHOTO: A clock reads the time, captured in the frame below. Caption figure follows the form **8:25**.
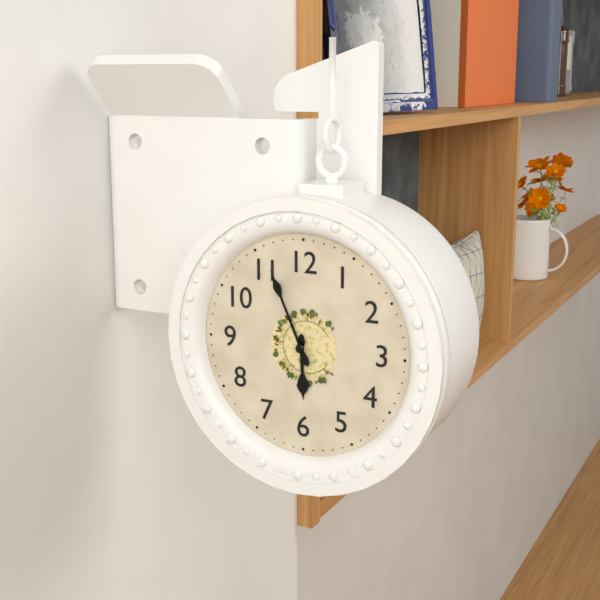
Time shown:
**5:56**
